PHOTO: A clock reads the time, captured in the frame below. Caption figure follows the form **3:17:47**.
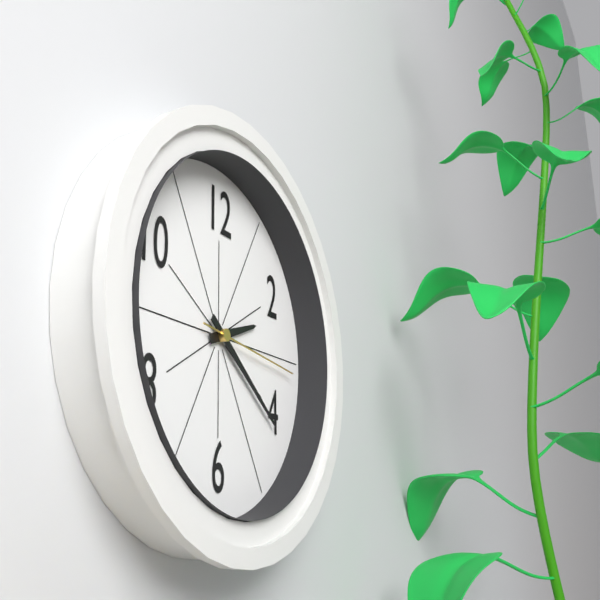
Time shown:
**2:21:16**
